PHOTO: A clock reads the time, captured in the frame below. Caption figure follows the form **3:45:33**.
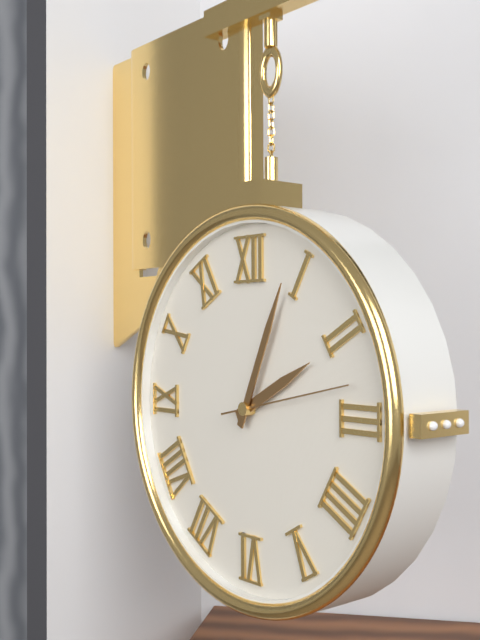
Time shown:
**2:04:13**
